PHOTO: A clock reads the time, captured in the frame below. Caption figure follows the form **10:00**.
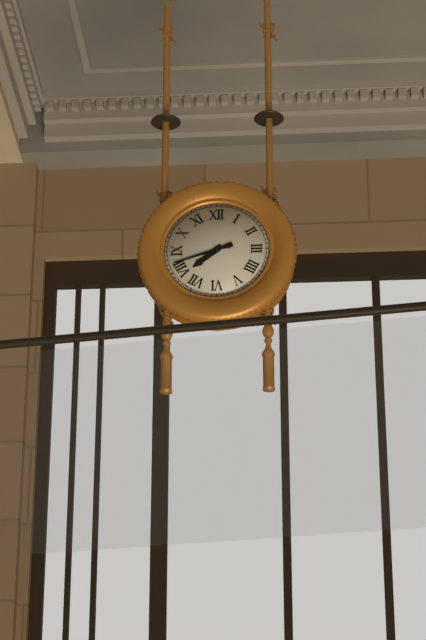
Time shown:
**7:42**
